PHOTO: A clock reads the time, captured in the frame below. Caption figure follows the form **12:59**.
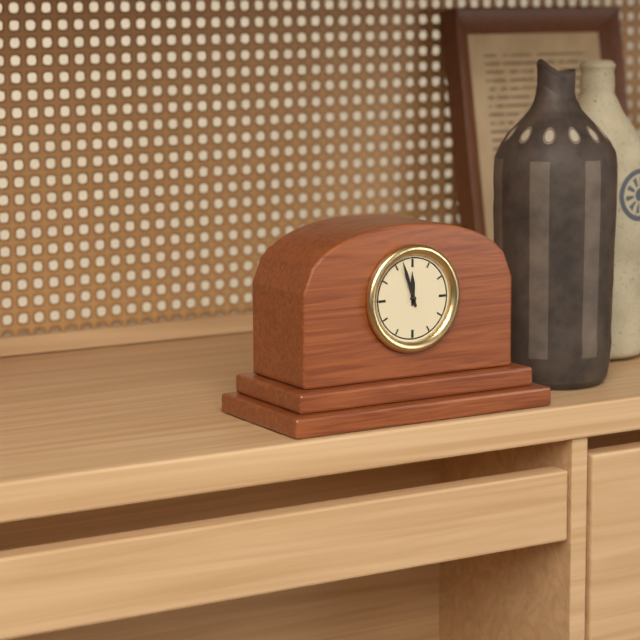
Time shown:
**11:57**
